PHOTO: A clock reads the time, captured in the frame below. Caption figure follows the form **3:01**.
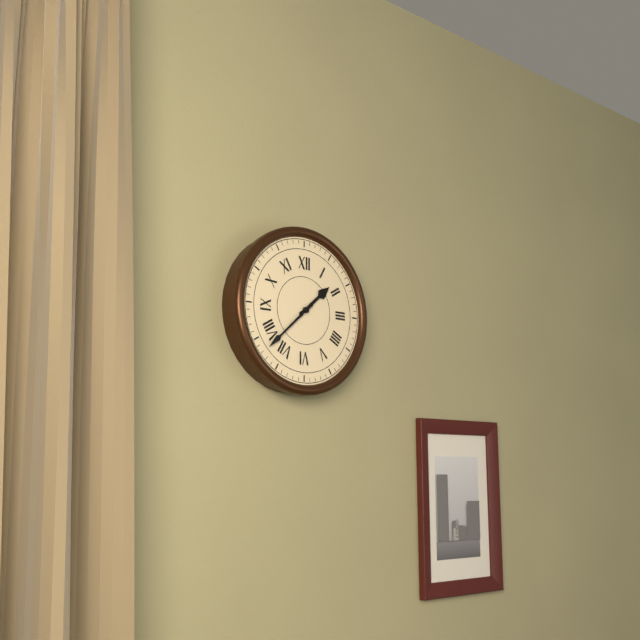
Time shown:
**1:38**
